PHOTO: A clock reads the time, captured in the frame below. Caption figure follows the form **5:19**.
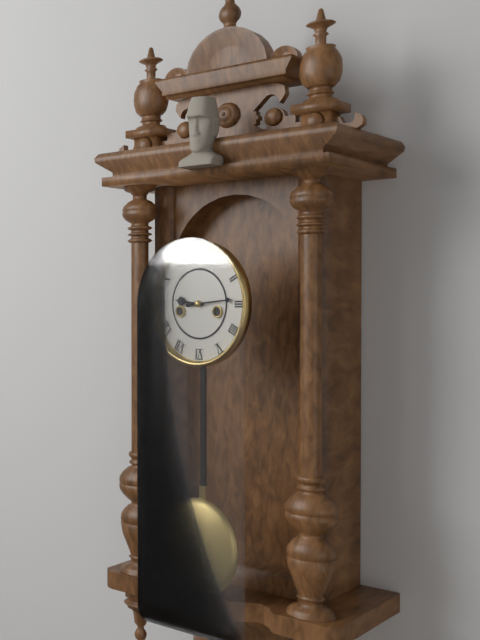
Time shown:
**9:14**
